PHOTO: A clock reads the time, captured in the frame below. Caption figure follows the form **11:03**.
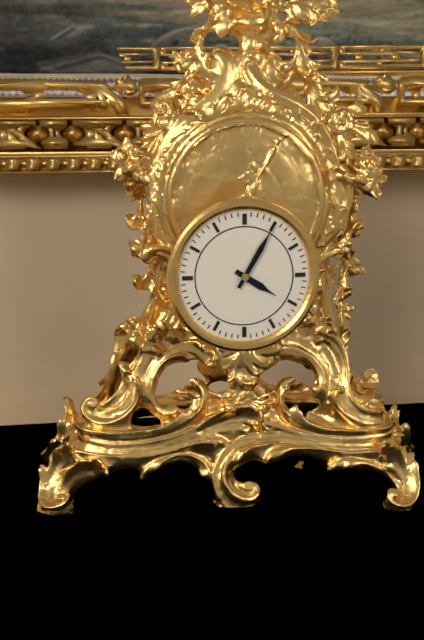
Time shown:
**4:05**
